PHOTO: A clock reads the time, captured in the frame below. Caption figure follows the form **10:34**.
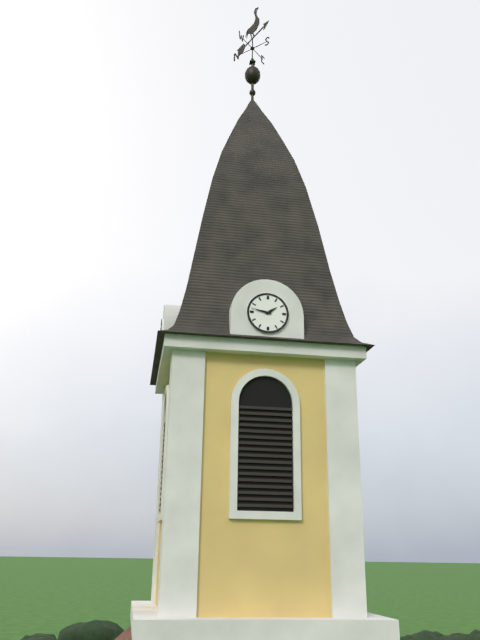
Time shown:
**1:47**
